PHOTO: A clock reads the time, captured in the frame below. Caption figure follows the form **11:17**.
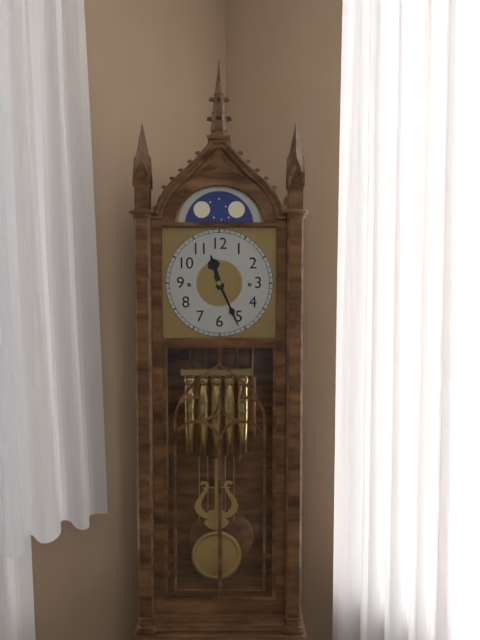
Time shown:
**11:26**
